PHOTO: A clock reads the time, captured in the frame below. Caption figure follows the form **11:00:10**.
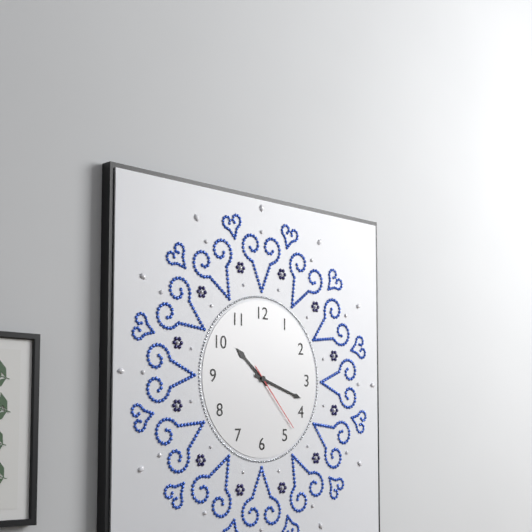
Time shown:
**10:18:23**
